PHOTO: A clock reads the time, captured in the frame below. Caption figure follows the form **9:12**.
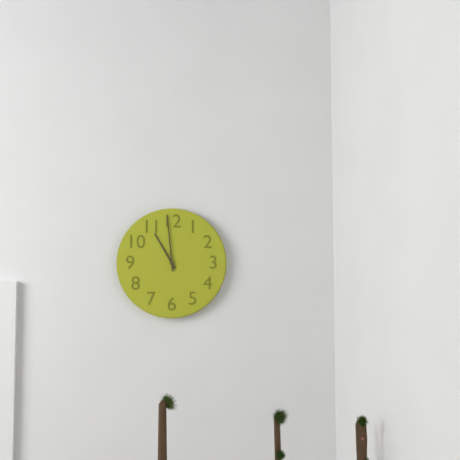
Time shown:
**10:59**
